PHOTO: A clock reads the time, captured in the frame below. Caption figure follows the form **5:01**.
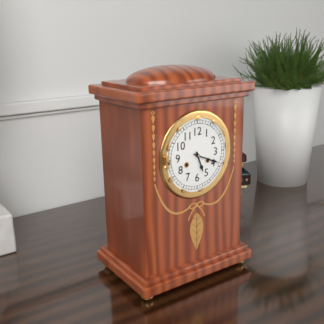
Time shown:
**5:19**
